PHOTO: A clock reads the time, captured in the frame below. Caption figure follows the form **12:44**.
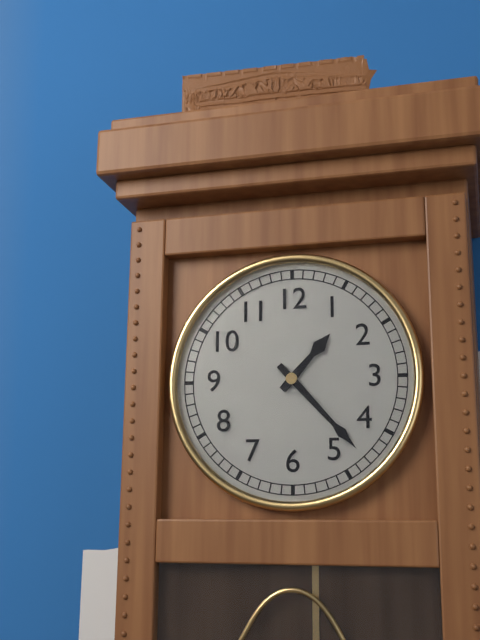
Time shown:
**1:23**
